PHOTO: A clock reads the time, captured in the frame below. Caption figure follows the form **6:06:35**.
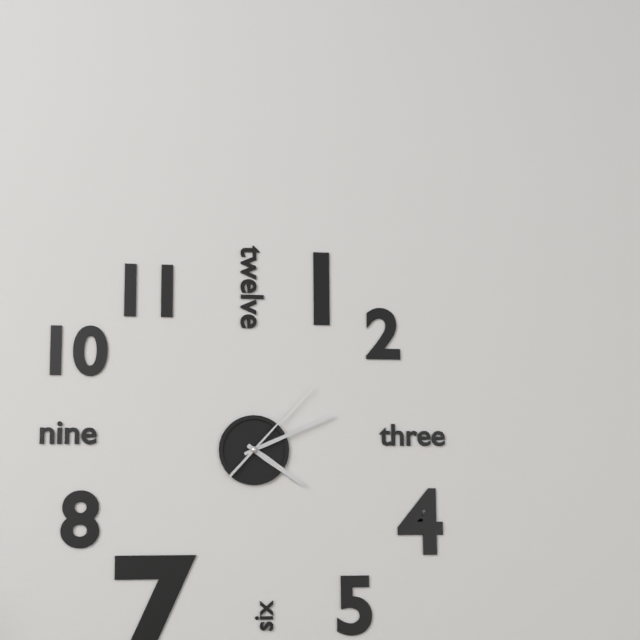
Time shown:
**4:11:07**
